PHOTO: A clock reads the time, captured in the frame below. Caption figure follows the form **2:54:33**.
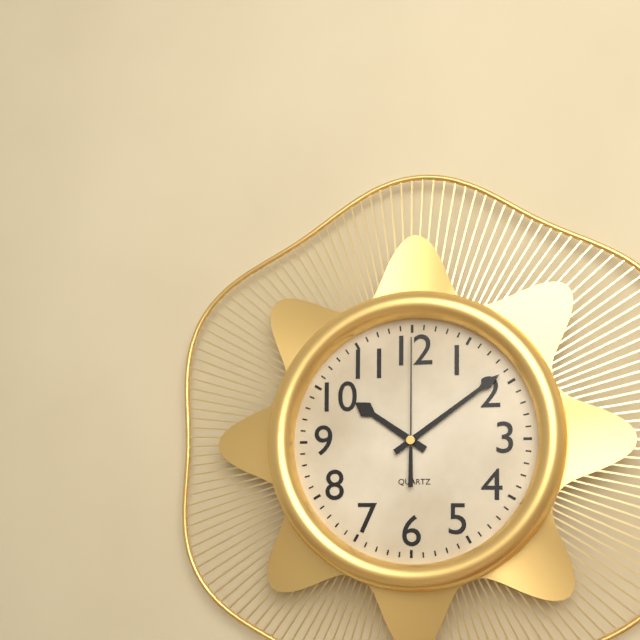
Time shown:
**10:09:00**
